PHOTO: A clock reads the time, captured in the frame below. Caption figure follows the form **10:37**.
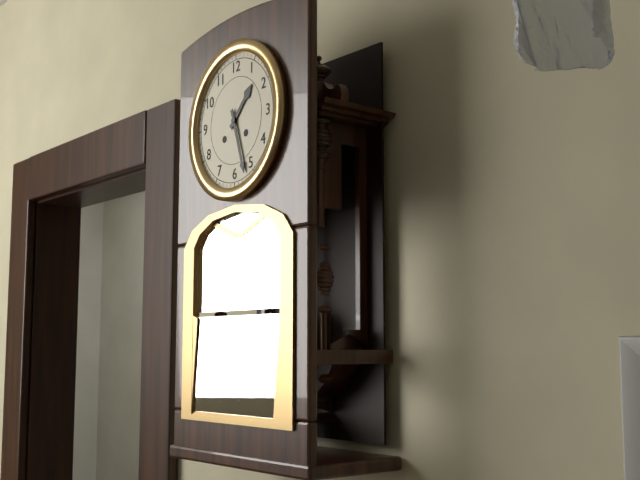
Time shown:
**1:27**
